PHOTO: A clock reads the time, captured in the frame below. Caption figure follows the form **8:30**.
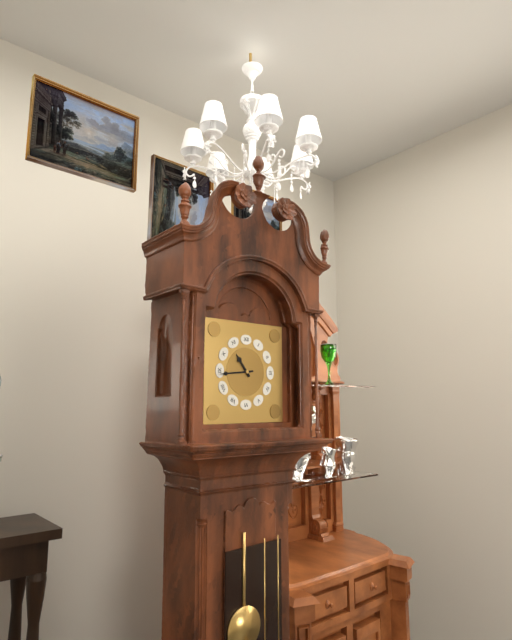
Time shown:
**10:44**
